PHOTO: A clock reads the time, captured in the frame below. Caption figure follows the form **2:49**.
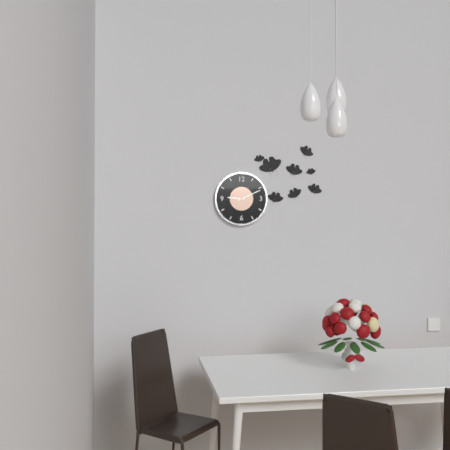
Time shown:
**9:11**
